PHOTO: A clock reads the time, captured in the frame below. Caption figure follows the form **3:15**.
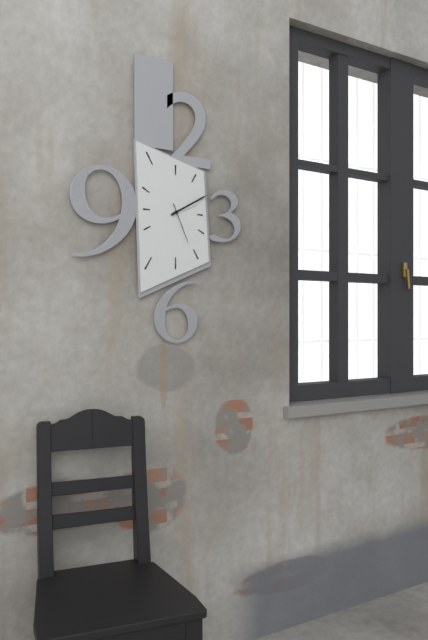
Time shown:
**2:10**
